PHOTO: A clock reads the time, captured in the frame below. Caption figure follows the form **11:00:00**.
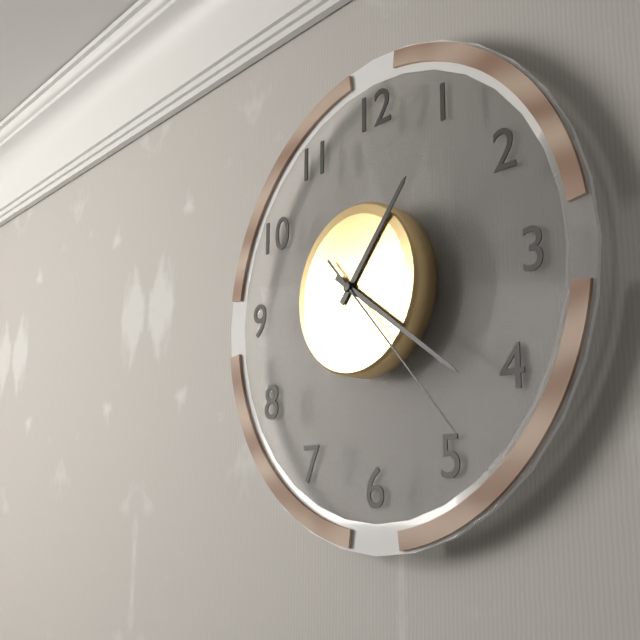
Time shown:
**1:21:23**
